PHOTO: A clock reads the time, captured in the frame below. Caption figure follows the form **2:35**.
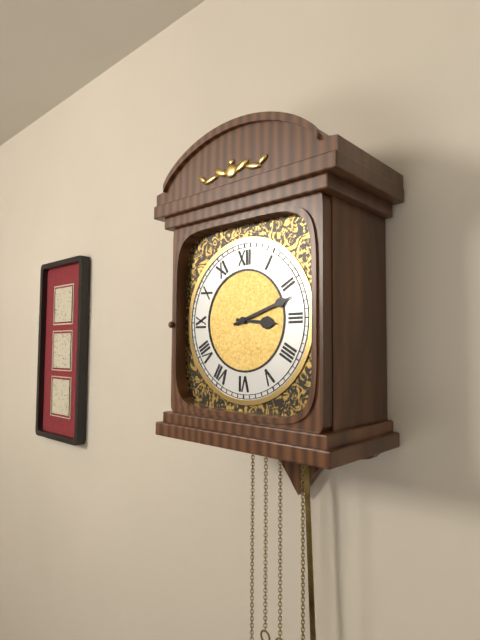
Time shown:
**3:12**
